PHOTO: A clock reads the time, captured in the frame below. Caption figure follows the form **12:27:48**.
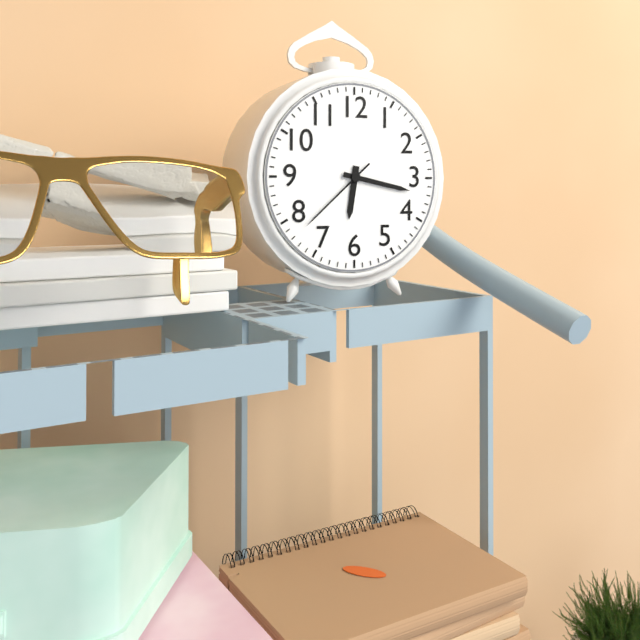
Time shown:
**6:17:38**
